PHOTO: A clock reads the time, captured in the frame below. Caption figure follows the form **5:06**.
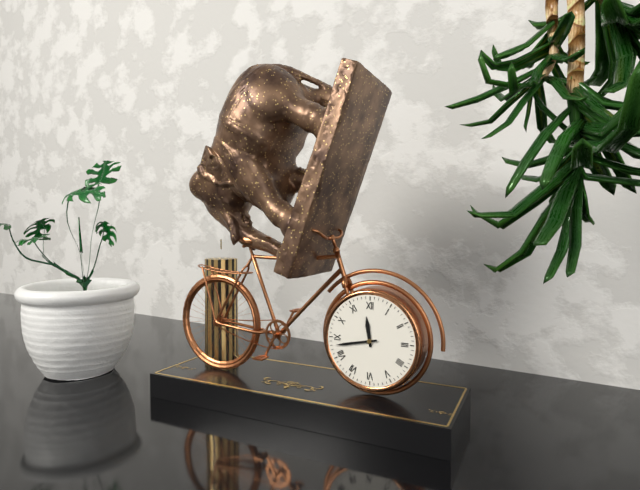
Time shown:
**11:43**
